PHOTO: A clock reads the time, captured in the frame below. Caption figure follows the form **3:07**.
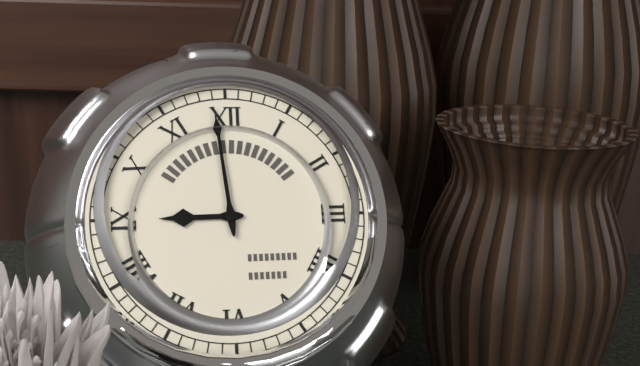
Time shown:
**8:59**
